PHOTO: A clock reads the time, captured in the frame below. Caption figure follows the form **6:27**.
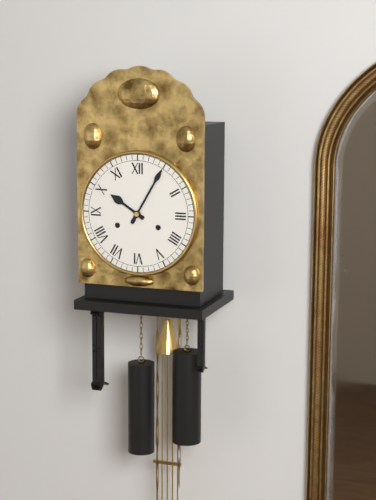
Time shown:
**10:05**
